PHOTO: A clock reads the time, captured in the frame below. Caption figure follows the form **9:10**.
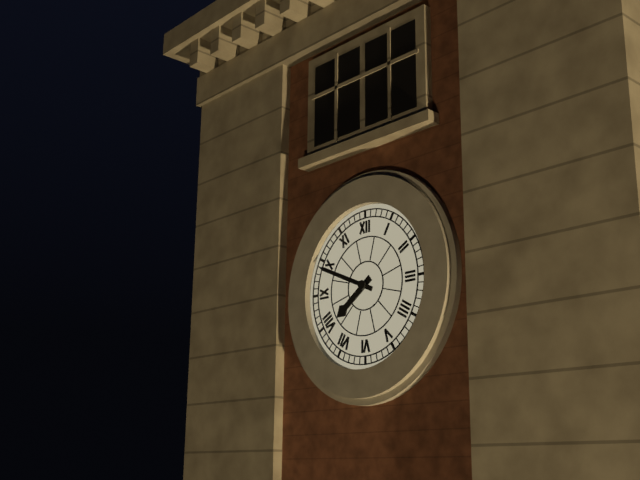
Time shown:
**7:49**
